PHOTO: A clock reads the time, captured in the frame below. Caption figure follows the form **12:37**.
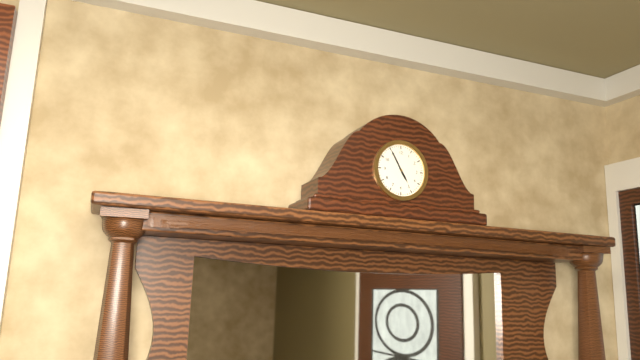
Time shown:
**4:55**
